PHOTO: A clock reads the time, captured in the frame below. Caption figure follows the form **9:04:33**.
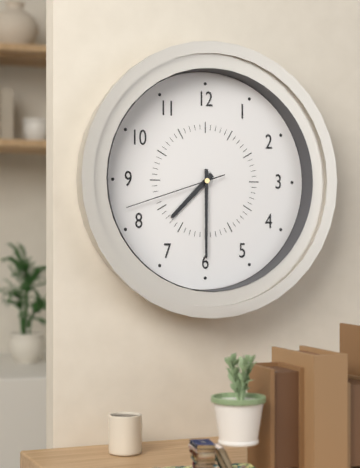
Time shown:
**7:30:42**
